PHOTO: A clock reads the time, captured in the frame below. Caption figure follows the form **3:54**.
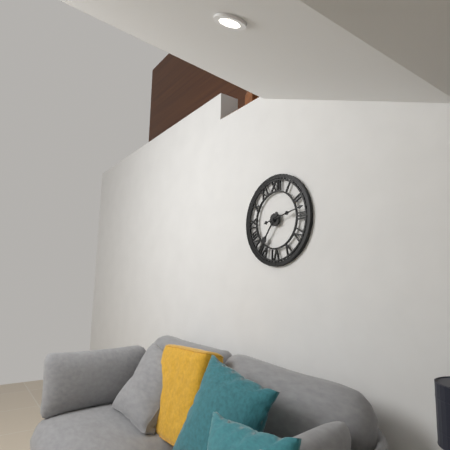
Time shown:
**7:13**
